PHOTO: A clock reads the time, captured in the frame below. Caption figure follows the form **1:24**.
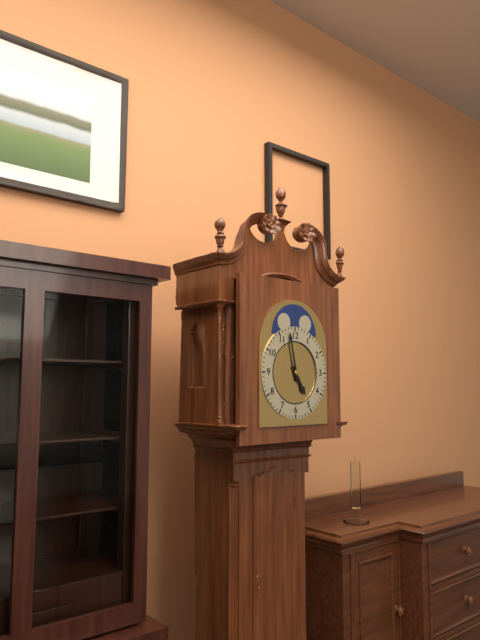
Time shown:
**4:58**
